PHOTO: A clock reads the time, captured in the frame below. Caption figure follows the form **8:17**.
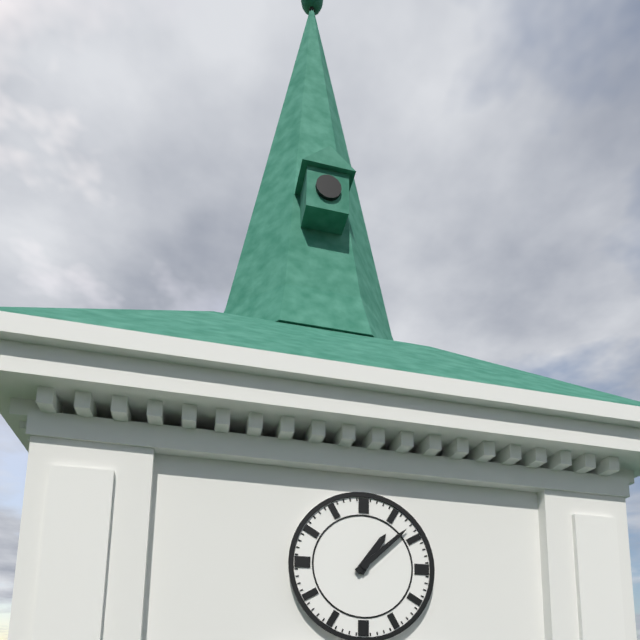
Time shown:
**1:08**
